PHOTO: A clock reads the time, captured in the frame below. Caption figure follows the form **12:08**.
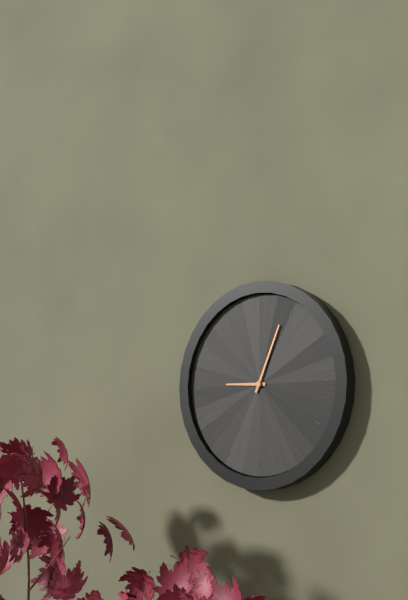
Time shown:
**9:04**
